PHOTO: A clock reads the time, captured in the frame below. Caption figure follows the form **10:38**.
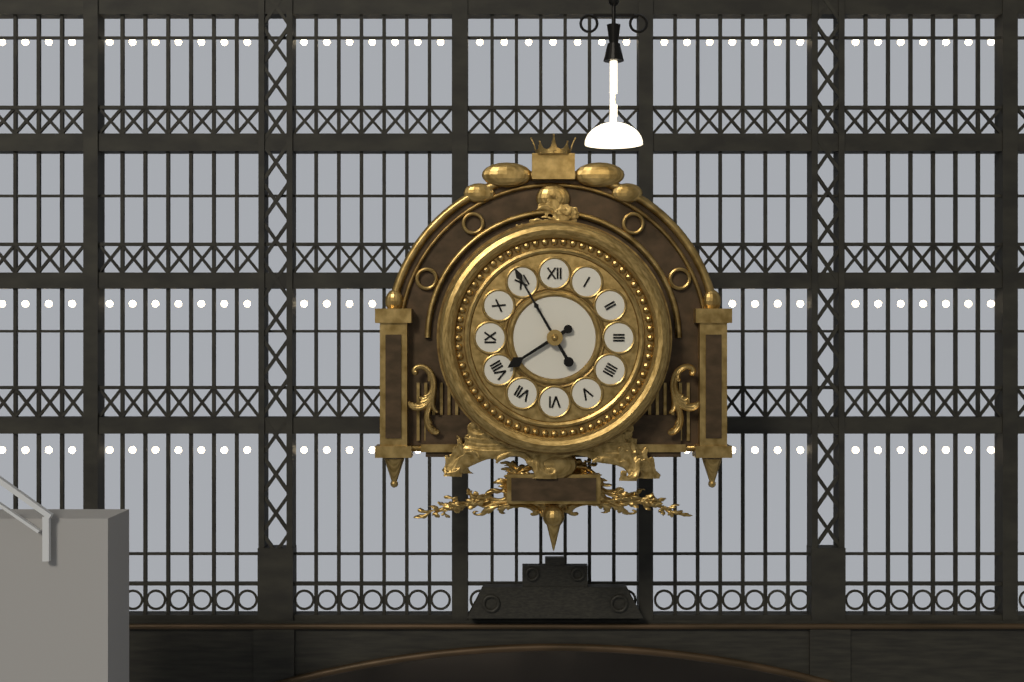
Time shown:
**7:55**
